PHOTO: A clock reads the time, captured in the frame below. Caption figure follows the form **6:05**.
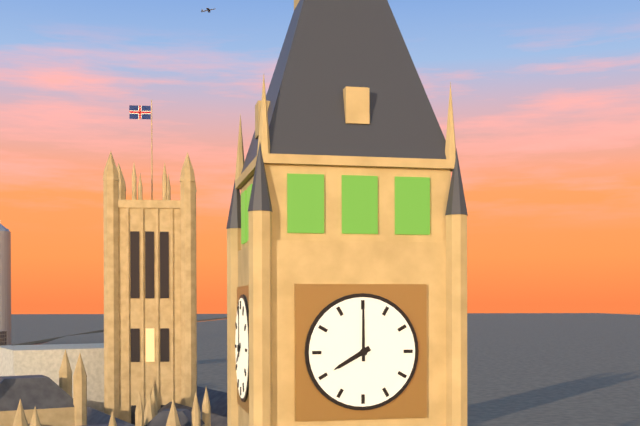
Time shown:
**8:00**
